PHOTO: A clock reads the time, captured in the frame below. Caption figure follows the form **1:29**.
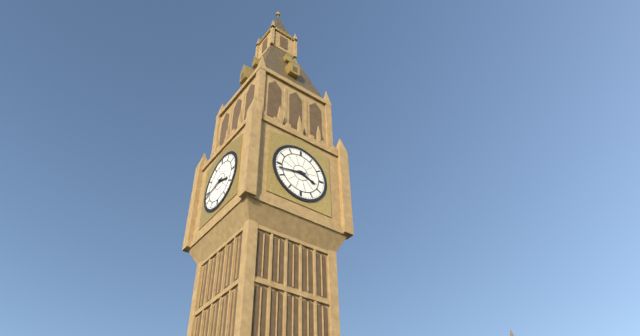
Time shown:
**3:43**
